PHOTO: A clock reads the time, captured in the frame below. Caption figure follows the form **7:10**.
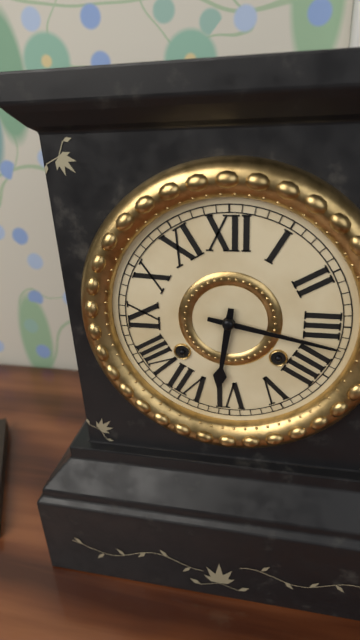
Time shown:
**6:17**
